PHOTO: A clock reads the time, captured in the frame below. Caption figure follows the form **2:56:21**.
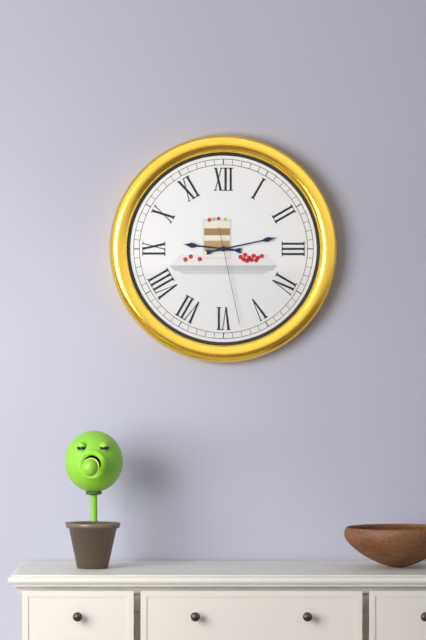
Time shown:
**9:13:28**
